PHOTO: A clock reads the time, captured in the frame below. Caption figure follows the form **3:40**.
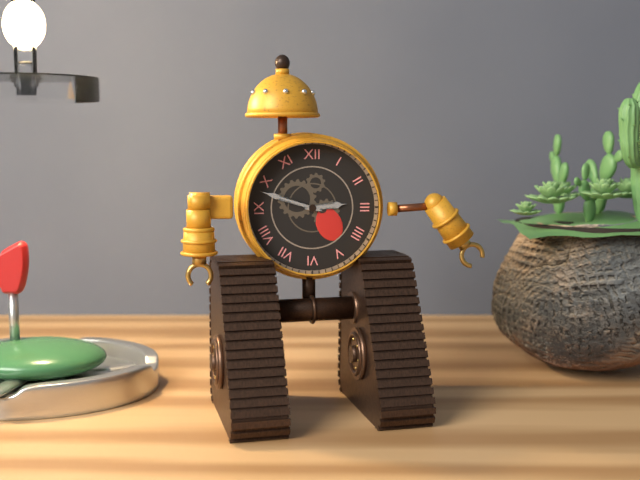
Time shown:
**2:48**
